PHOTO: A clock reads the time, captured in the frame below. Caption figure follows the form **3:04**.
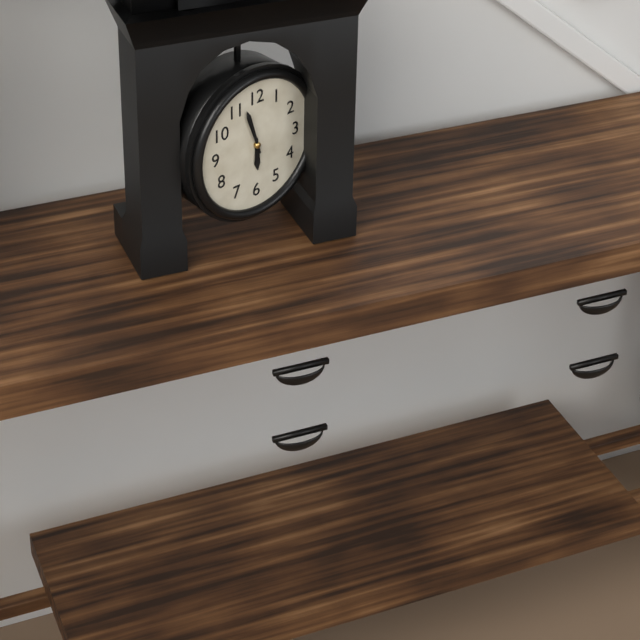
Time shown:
**5:57**
